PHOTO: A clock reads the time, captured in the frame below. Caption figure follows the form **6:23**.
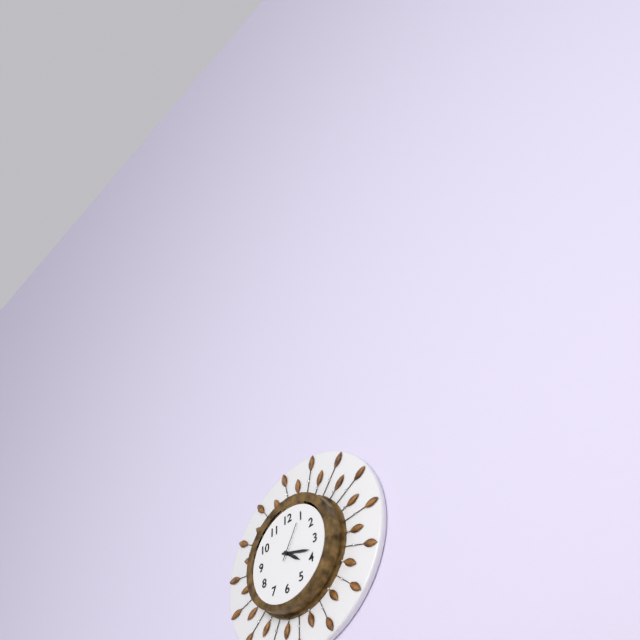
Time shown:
**4:18**
